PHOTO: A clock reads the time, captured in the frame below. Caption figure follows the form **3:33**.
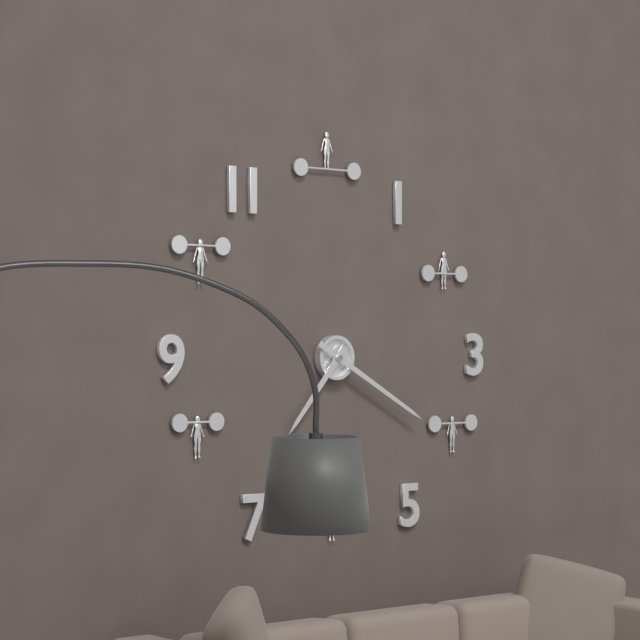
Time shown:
**7:20**
